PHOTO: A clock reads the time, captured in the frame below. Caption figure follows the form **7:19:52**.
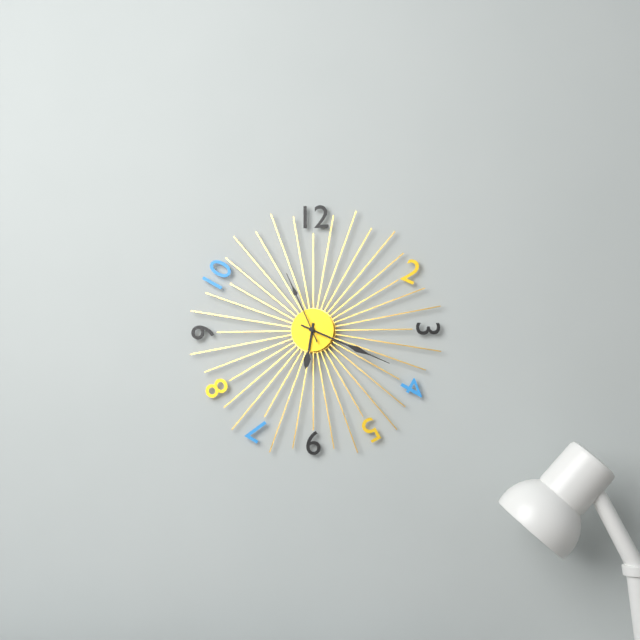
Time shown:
**6:19:56**
